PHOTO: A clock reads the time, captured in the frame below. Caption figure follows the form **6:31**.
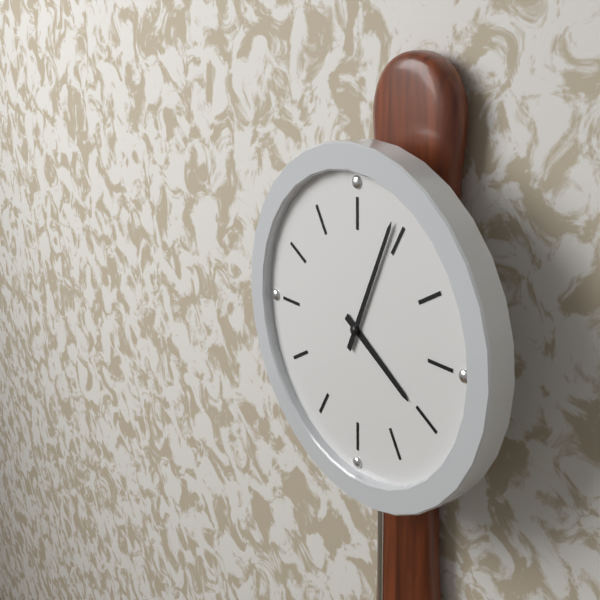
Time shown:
**4:04**
